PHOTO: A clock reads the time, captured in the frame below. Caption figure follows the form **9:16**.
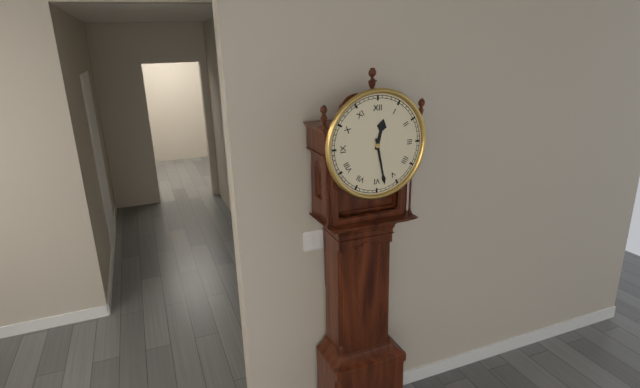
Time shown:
**12:28**
